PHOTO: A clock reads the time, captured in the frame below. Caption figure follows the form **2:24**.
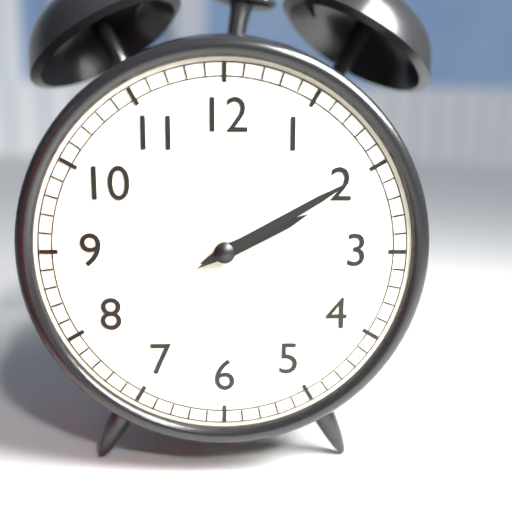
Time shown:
**2:10**
